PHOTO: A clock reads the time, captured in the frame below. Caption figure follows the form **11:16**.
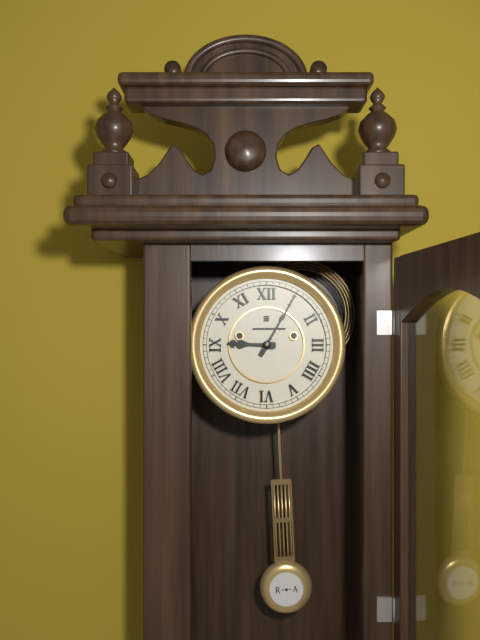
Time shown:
**9:05**
